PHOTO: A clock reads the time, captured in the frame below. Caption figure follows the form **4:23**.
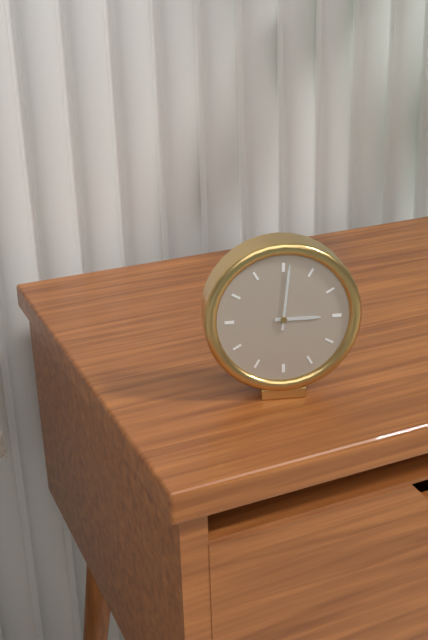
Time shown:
**3:01**
